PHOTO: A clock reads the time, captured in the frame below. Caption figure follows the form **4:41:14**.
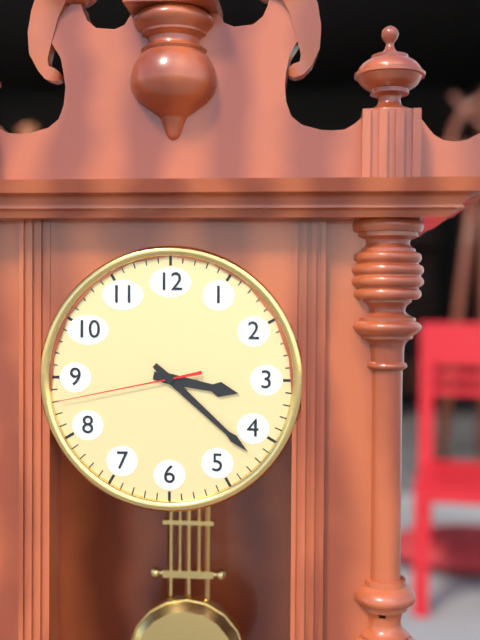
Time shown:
**3:22:43**
